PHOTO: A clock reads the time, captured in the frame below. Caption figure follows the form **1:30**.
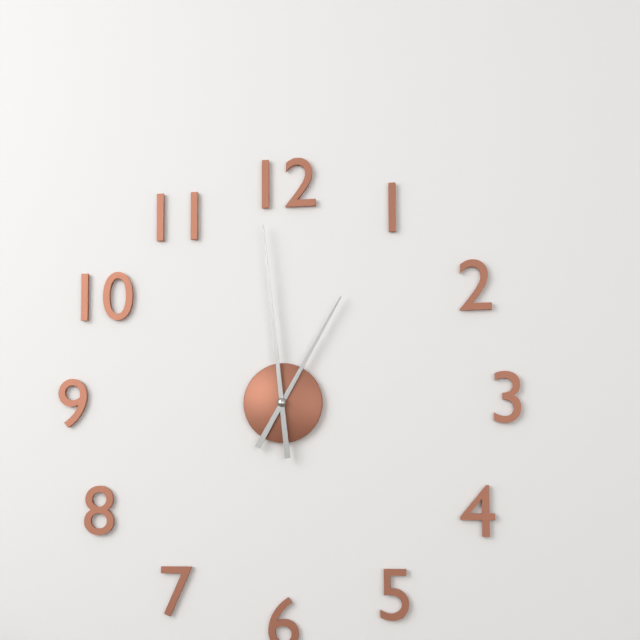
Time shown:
**12:59**
